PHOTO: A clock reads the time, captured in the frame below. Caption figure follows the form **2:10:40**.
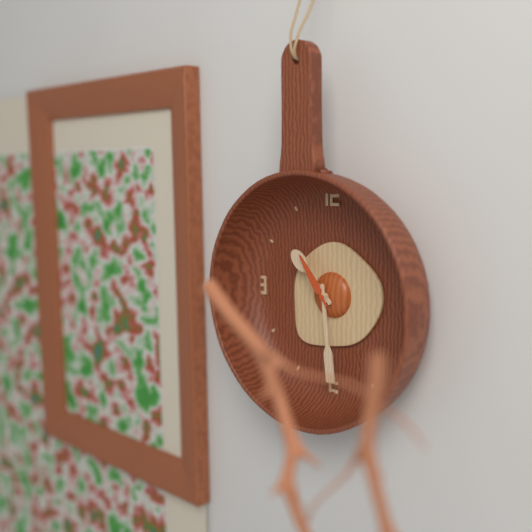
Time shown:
**10:29:54**
